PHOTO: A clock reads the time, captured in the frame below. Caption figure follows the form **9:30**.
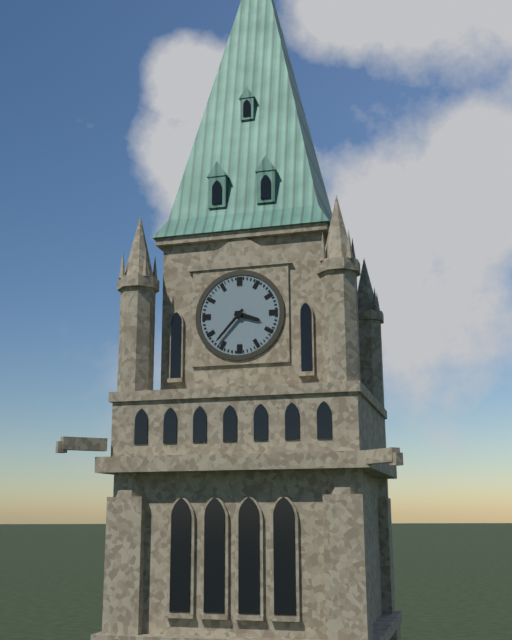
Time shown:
**3:37**
